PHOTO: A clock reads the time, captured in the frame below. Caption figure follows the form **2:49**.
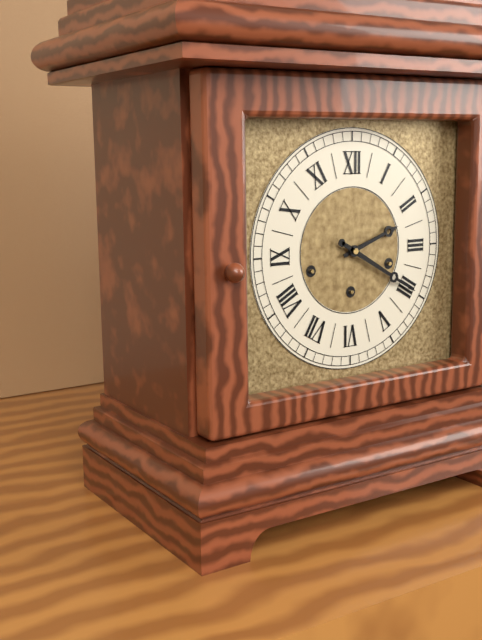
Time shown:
**2:20**
